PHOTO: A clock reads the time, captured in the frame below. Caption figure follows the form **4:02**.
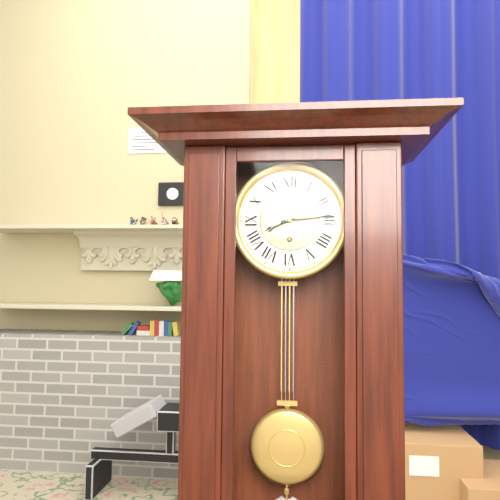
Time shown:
**8:14**
